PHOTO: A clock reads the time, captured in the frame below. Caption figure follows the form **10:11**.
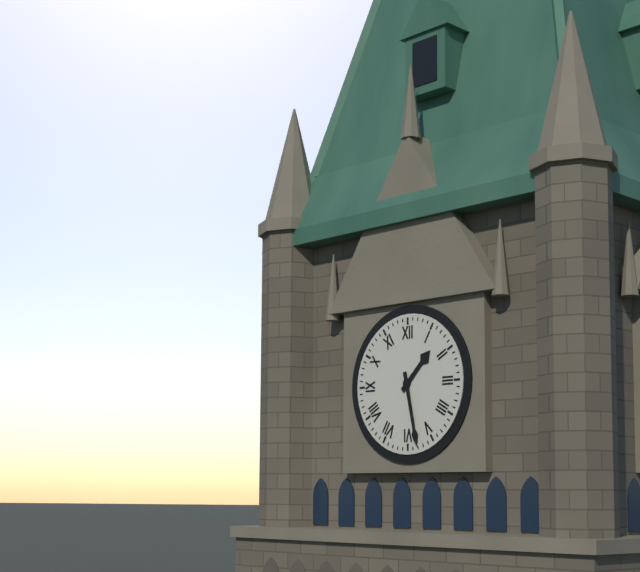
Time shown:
**1:28**
